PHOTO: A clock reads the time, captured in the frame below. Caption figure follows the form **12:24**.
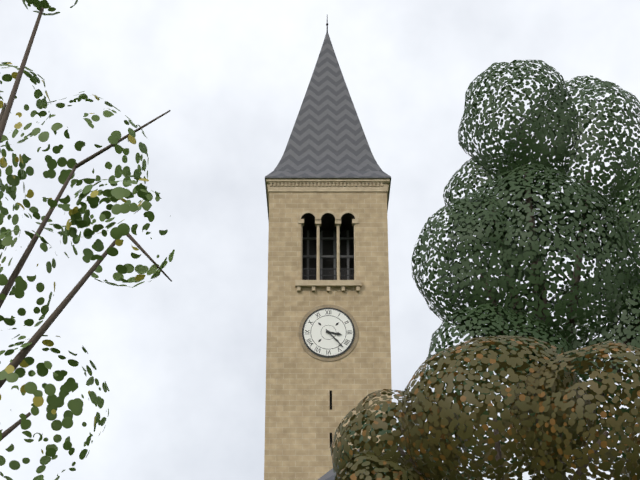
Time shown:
**3:23**
